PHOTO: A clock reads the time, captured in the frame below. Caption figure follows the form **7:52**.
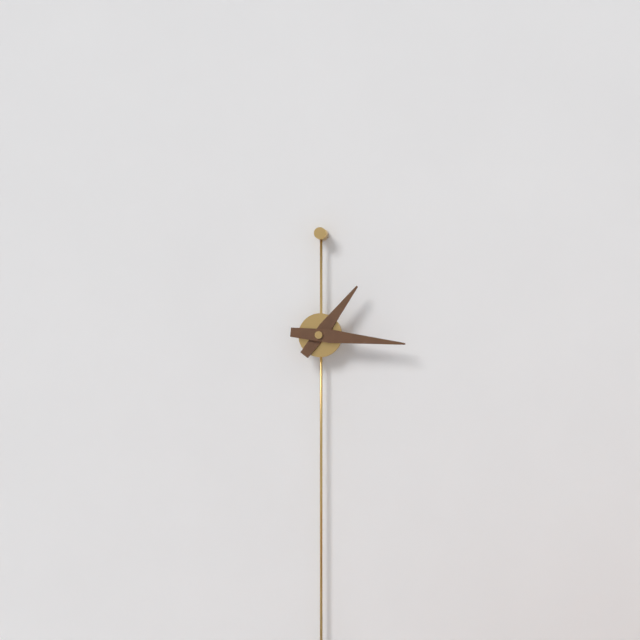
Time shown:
**1:16**
